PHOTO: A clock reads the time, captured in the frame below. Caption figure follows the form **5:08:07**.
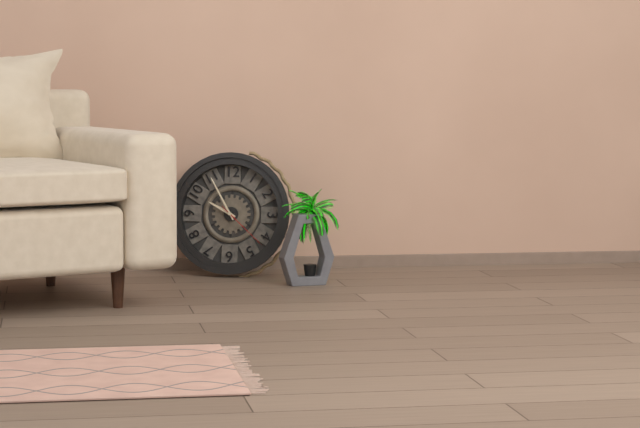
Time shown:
**9:55:22**
